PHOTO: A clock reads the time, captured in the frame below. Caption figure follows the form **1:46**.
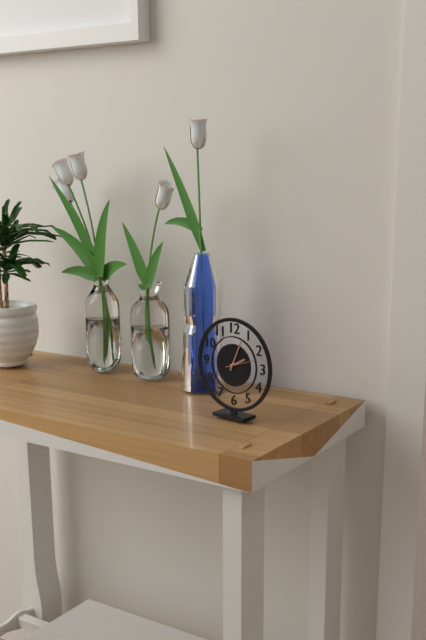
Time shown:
**2:04**
